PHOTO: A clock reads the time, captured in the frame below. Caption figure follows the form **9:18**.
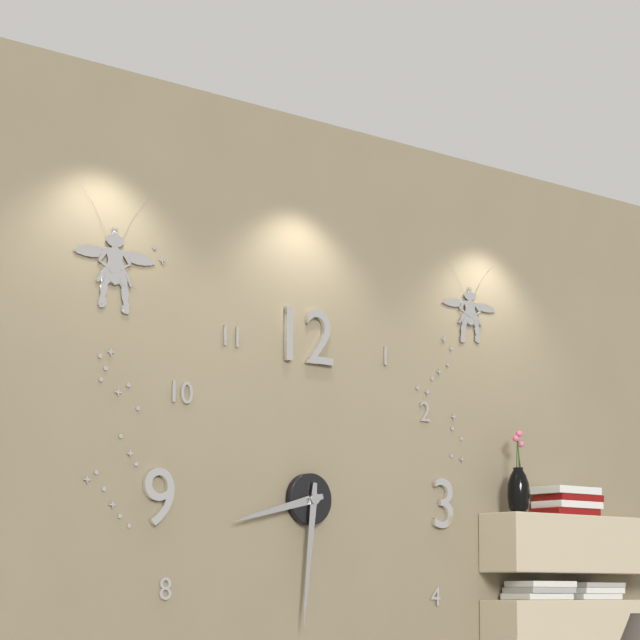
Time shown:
**8:31**
